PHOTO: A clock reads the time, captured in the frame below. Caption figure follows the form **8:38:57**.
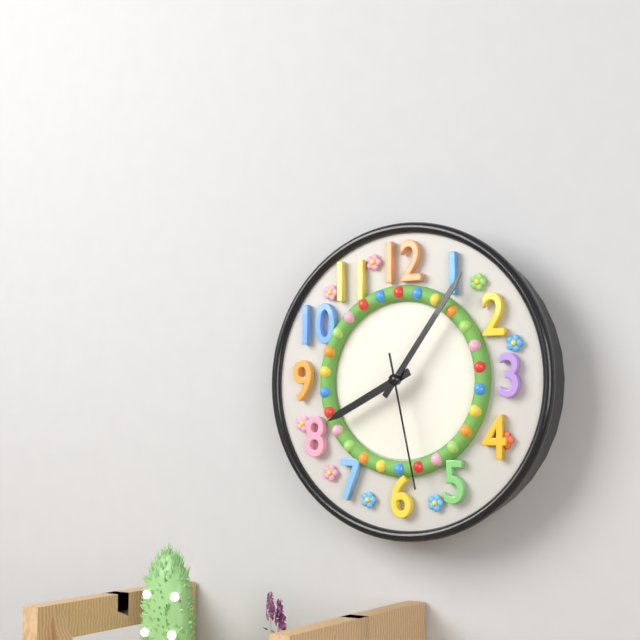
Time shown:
**8:06:28**
